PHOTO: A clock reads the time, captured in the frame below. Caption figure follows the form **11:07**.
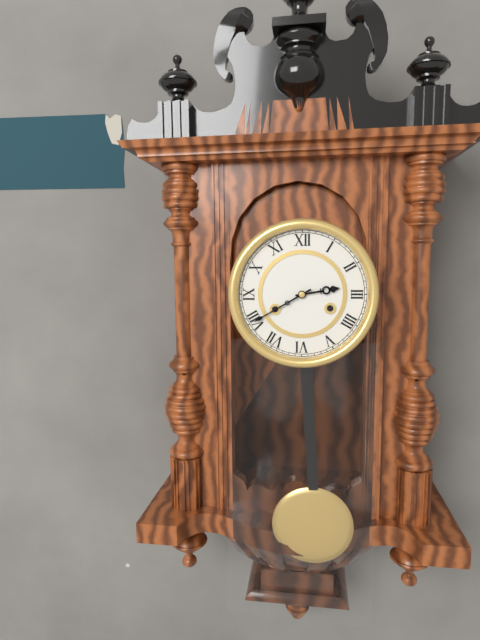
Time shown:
**2:40**
